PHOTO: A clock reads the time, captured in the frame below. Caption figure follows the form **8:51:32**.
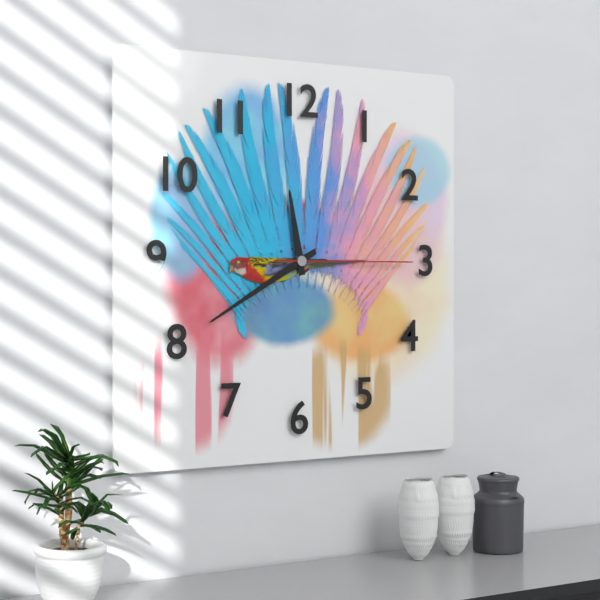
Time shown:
**11:40:15**
